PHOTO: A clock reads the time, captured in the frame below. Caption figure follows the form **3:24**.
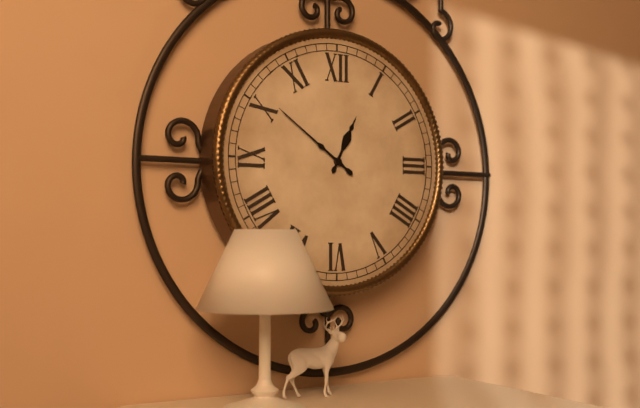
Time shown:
**12:51**
